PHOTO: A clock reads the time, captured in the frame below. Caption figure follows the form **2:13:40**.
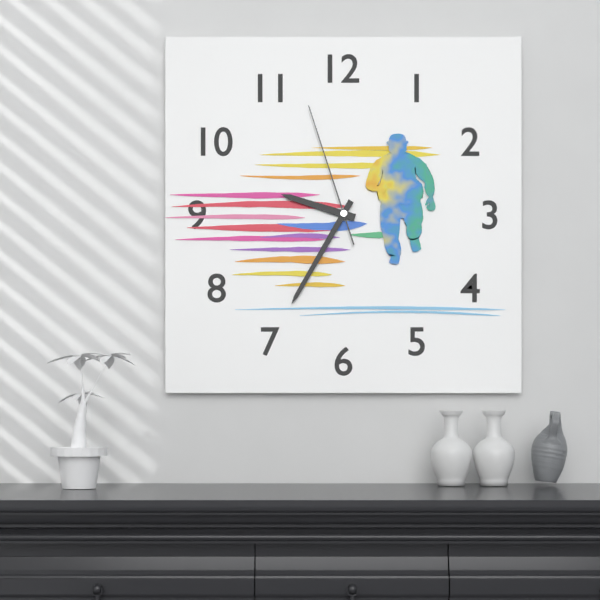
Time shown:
**9:35:57**
